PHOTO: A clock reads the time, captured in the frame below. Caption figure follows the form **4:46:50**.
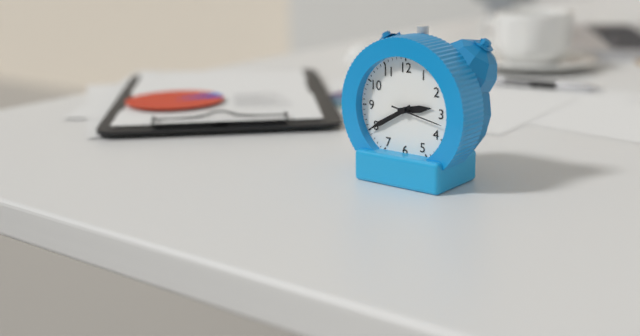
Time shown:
**2:40:17**
